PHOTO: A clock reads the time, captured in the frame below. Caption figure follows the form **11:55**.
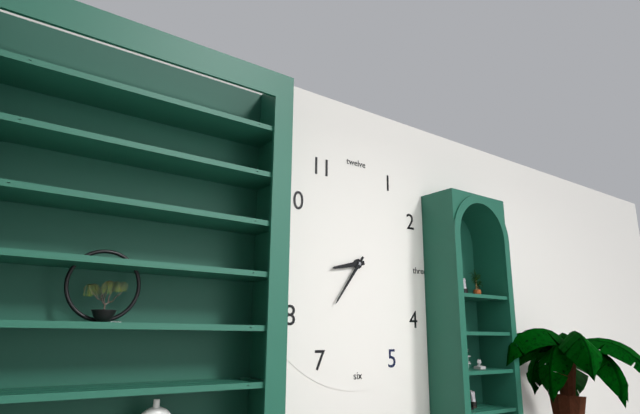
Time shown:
**8:36**
